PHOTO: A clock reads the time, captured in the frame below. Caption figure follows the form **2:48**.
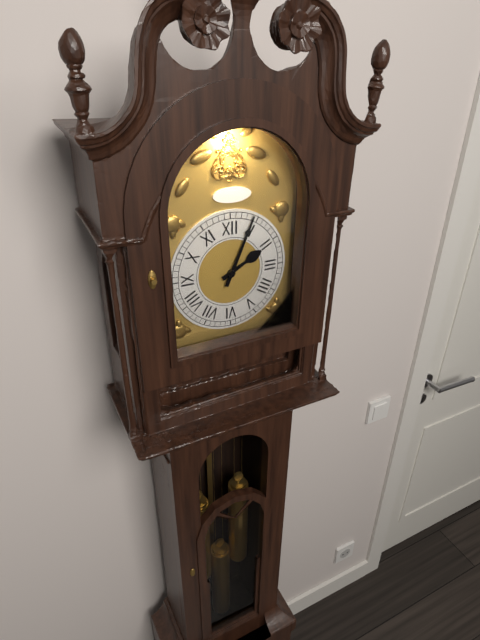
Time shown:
**2:04**
